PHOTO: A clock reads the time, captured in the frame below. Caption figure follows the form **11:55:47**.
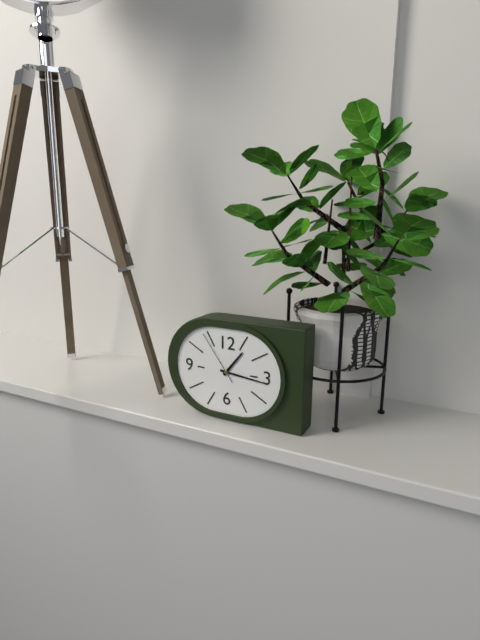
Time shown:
**1:16:54**
